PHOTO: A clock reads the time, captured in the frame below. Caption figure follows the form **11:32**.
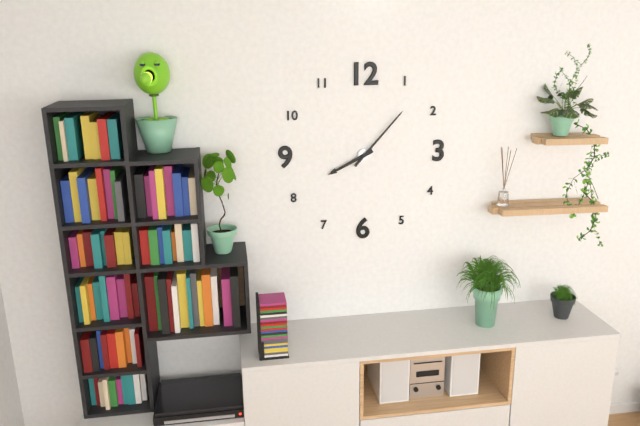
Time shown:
**8:07**
